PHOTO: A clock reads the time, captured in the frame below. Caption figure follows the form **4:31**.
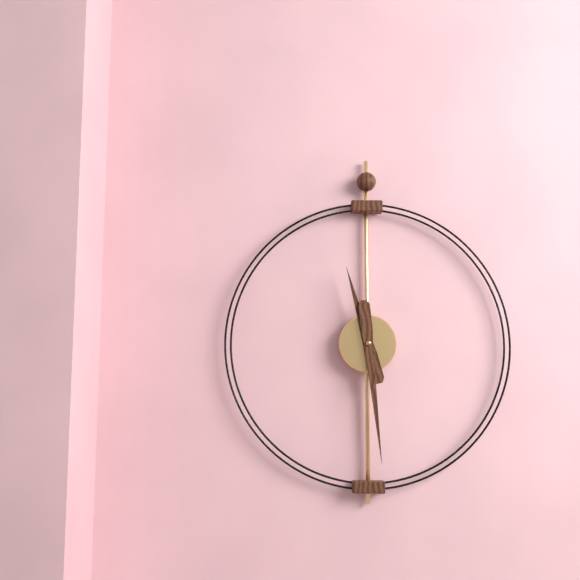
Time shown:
**11:29**
